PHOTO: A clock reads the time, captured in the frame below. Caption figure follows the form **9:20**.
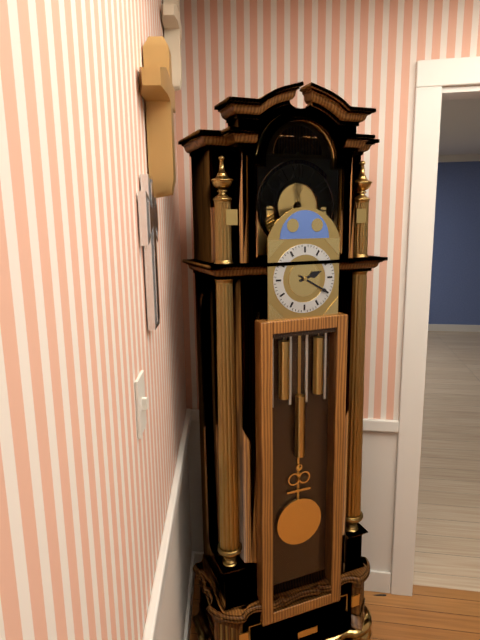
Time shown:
**2:20**
